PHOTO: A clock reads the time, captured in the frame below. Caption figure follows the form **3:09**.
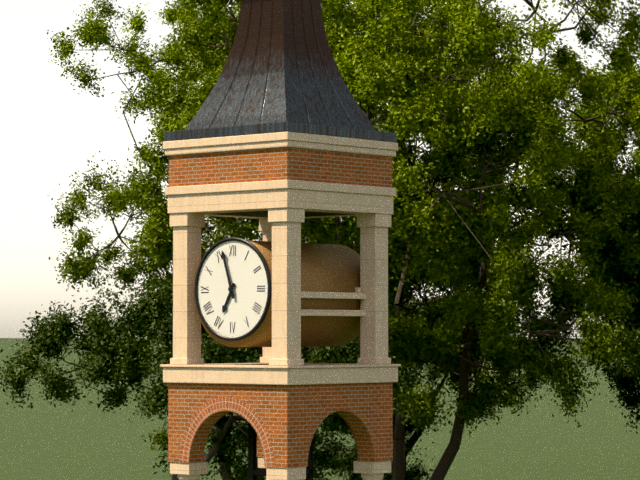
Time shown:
**6:57**
